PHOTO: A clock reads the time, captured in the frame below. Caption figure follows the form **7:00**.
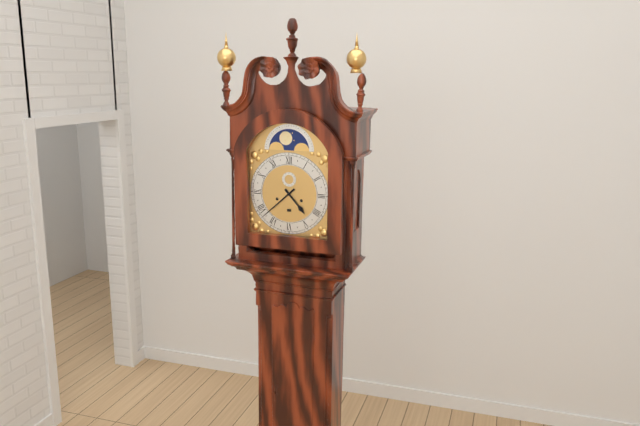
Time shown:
**4:38**
